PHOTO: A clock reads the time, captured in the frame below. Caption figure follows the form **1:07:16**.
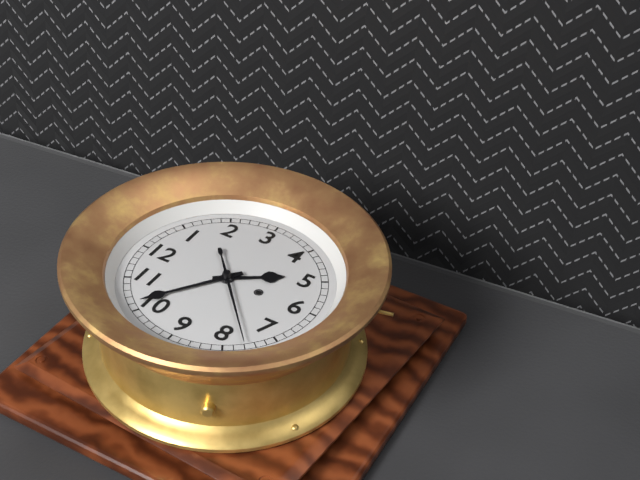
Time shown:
**4:51:38**
